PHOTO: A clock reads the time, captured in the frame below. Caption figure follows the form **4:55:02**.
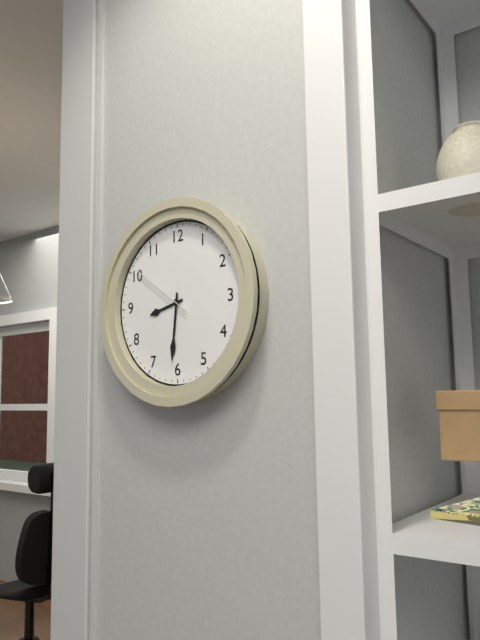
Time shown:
**8:31:51**
